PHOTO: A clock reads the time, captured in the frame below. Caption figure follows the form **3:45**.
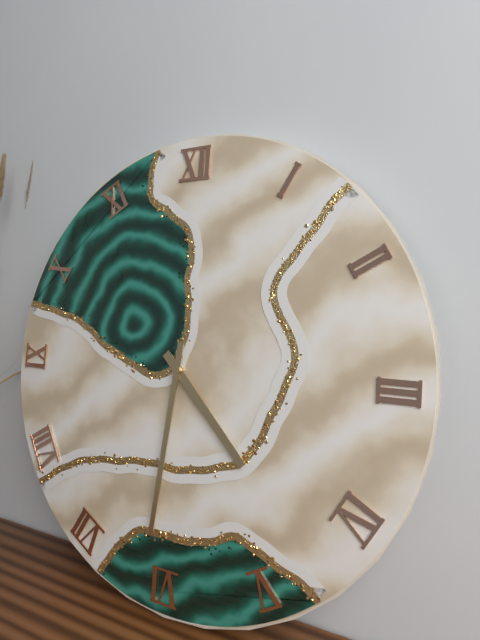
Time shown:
**4:31**
